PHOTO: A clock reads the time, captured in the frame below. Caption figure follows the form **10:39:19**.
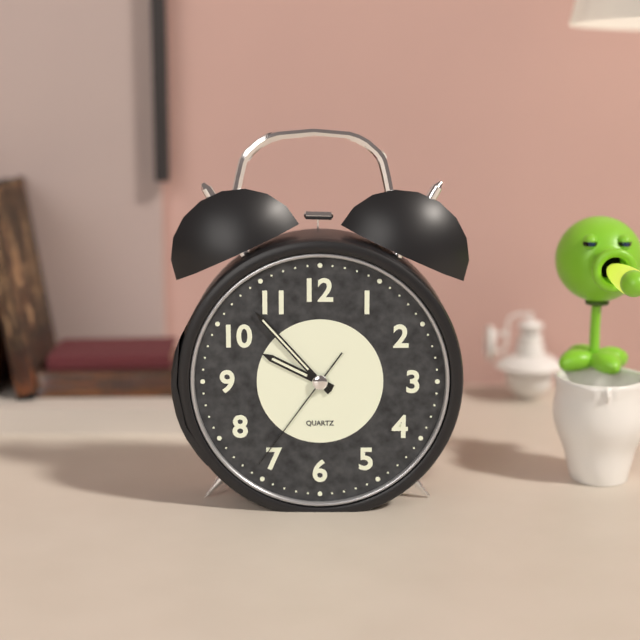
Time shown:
**9:53:36**
